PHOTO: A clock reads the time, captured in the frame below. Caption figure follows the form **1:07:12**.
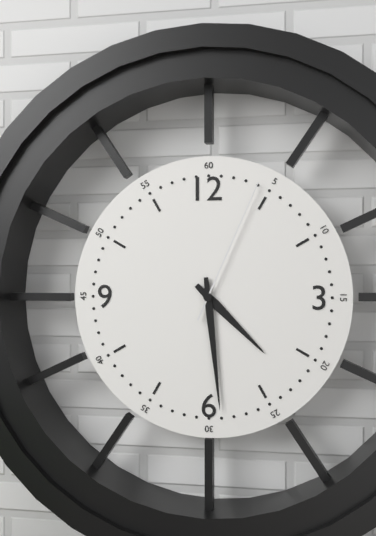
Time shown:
**4:29:04**
